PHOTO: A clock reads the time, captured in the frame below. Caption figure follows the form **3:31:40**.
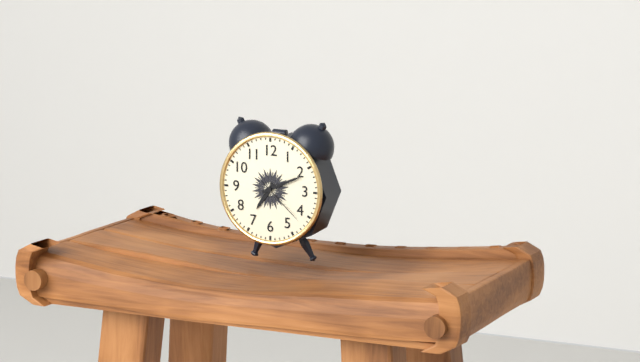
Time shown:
**7:11:22**
